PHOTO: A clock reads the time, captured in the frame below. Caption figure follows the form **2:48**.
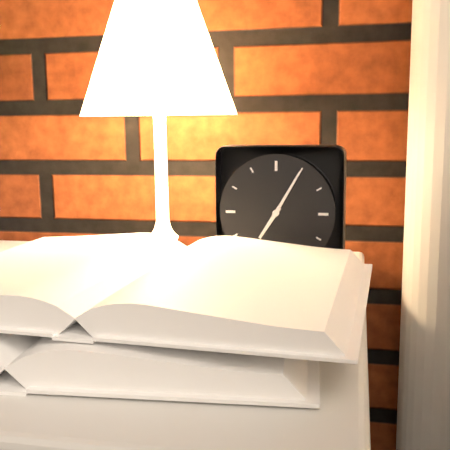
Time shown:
**7:05**
